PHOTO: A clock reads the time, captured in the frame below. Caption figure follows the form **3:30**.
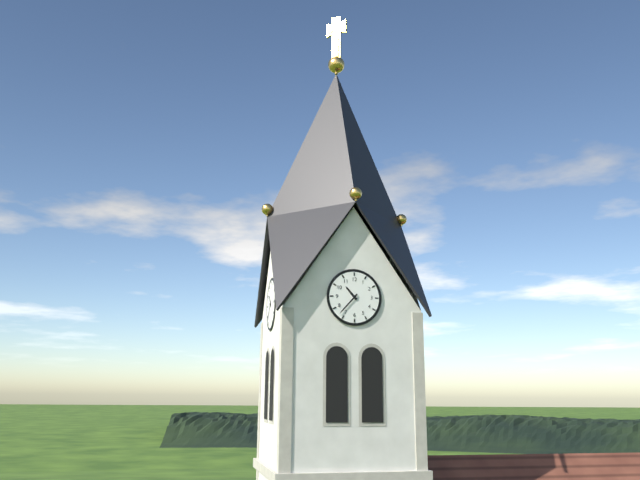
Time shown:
**10:37**
